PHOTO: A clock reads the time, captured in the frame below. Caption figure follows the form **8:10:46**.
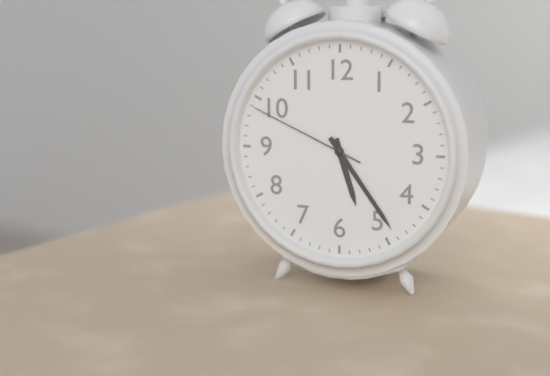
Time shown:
**5:24:49**
